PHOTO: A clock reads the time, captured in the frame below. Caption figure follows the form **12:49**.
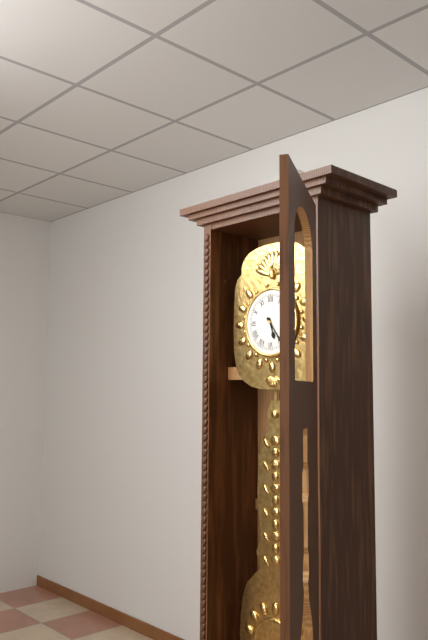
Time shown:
**5:24**
